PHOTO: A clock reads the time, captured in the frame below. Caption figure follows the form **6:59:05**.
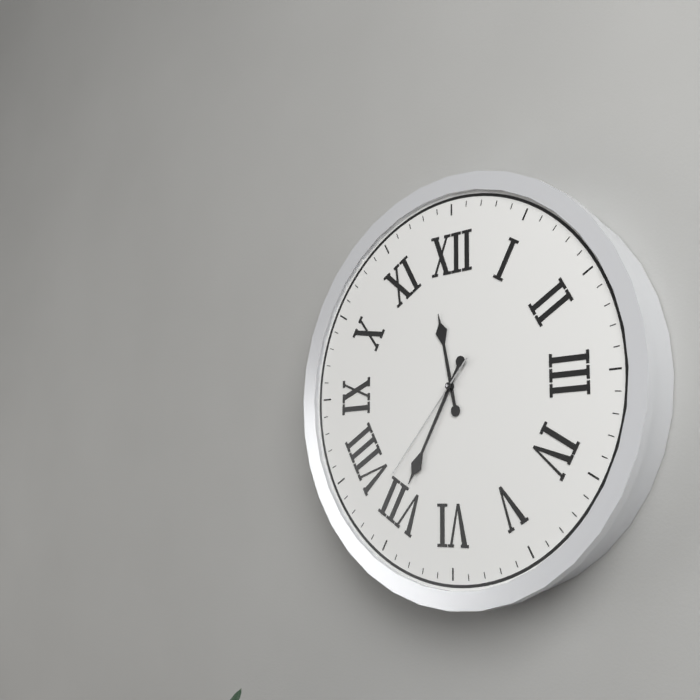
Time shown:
**11:35:37**
